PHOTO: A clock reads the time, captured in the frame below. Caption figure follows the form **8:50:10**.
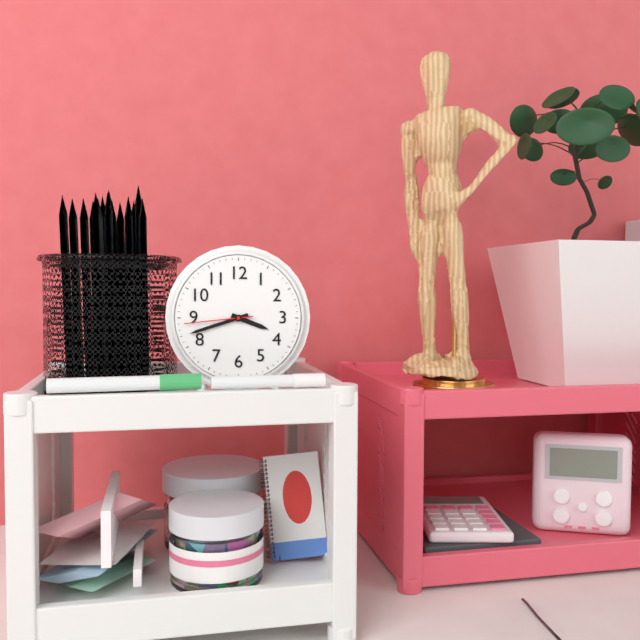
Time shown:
**3:42:44**
